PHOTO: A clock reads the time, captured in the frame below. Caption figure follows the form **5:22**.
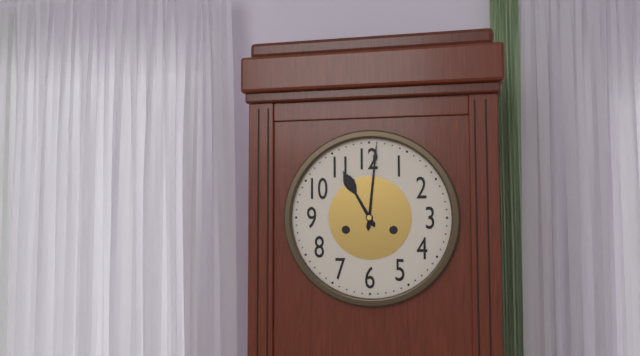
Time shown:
**11:01**
